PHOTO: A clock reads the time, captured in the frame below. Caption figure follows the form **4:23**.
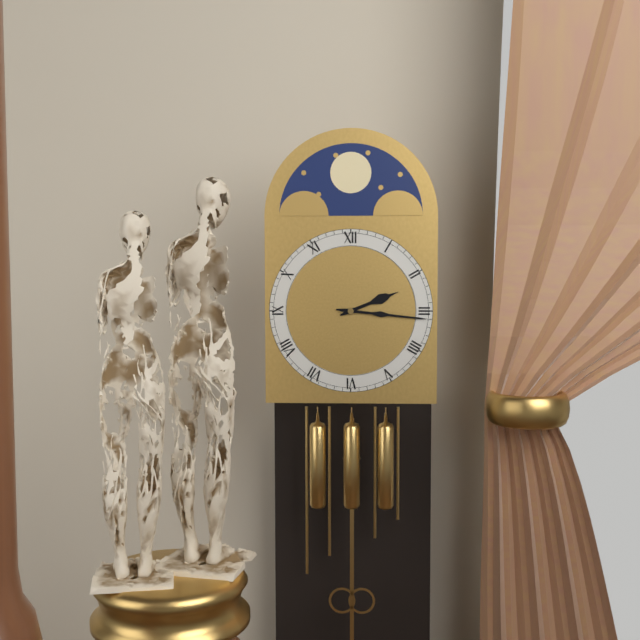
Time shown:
**2:16**
